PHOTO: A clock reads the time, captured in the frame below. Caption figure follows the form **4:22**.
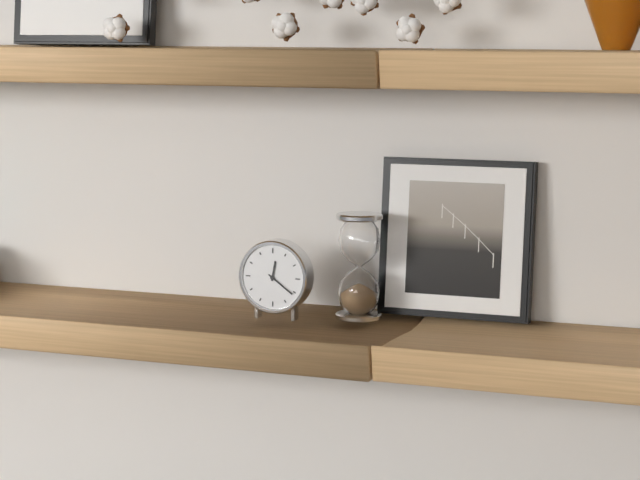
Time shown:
**12:21**
